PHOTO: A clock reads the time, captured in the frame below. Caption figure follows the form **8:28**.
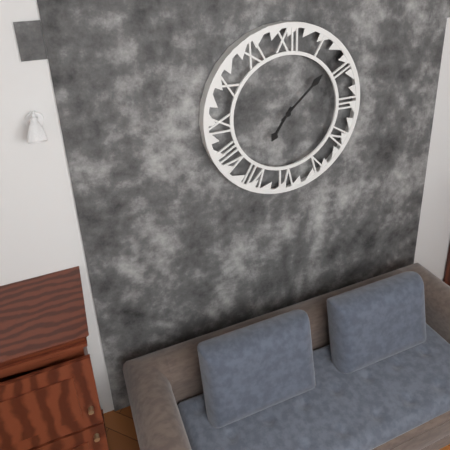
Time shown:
**7:08**
